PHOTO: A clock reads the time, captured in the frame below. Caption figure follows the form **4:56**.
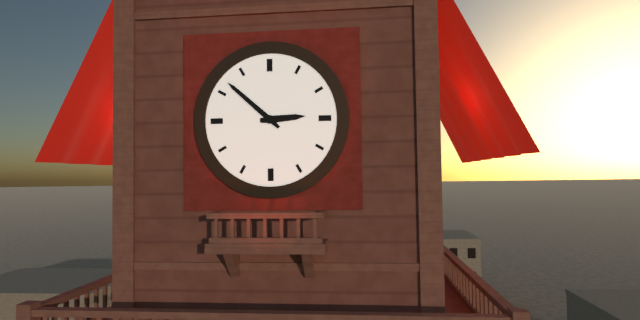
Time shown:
**2:52**
